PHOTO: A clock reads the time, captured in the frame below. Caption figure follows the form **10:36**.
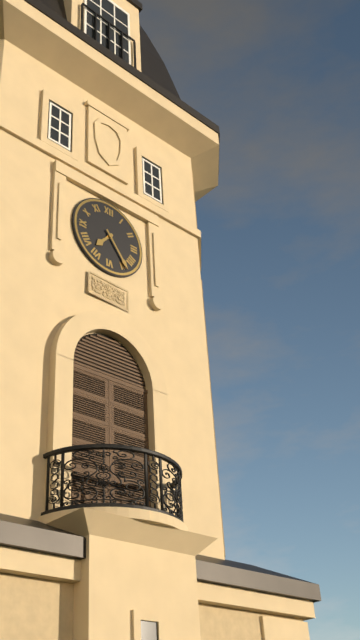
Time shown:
**7:24**
